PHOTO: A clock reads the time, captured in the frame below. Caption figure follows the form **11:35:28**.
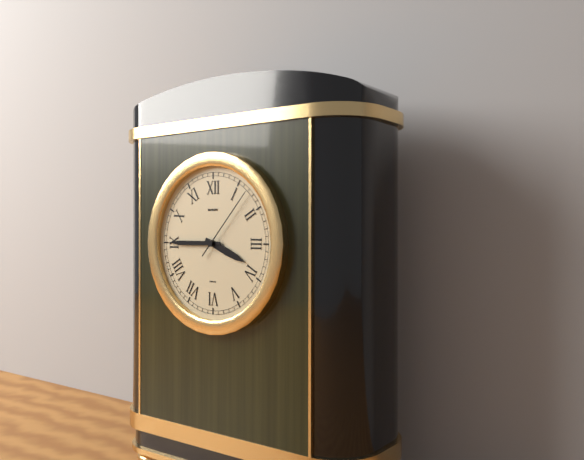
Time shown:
**3:45:07**
